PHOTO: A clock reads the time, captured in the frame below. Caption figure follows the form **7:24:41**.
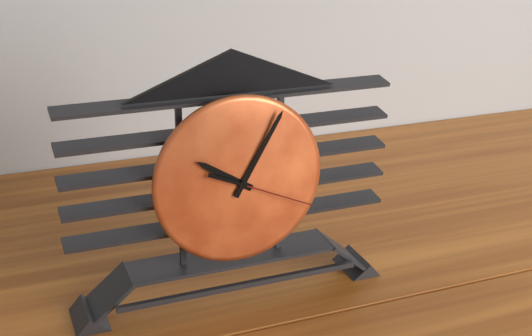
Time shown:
**10:05:19**
